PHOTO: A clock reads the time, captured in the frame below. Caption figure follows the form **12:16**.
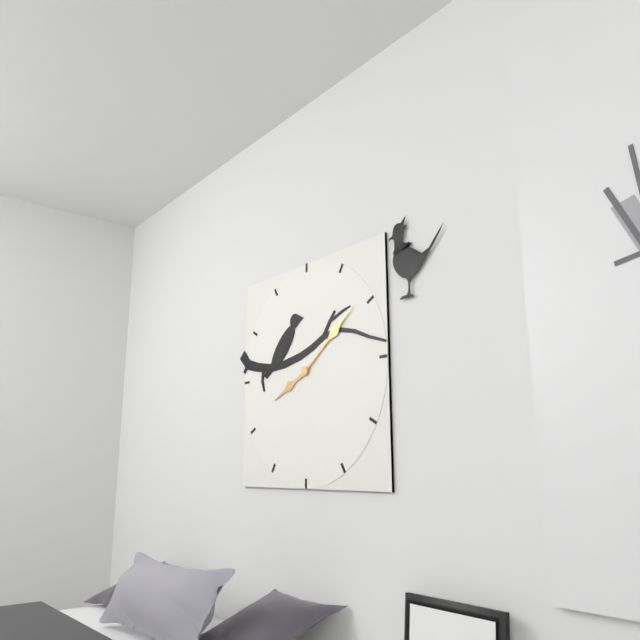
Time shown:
**8:09**
